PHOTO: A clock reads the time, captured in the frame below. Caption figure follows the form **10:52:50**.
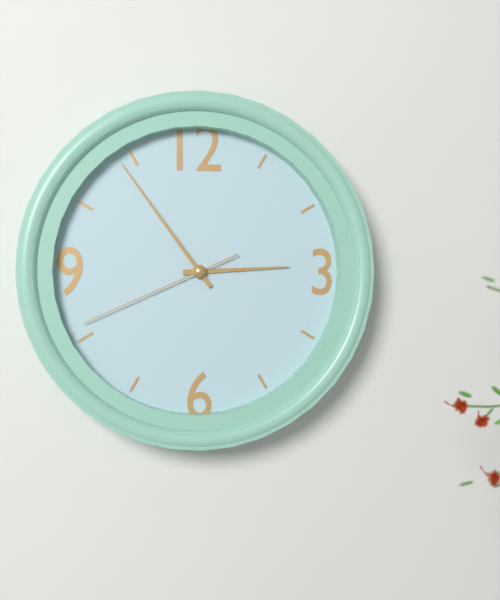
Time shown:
**2:54:41**
